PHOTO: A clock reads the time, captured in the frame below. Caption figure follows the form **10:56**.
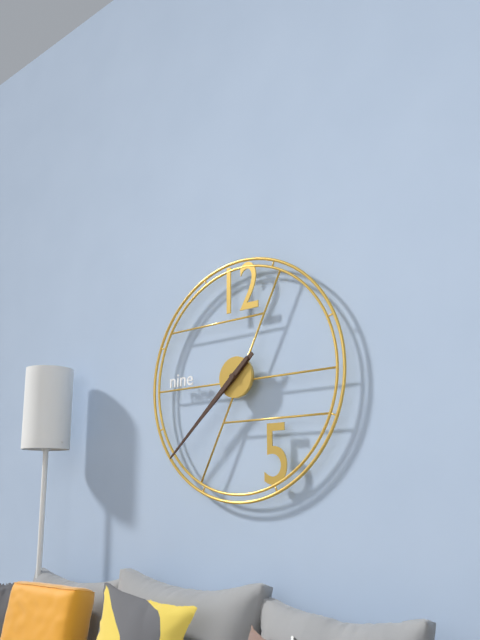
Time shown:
**7:38**
